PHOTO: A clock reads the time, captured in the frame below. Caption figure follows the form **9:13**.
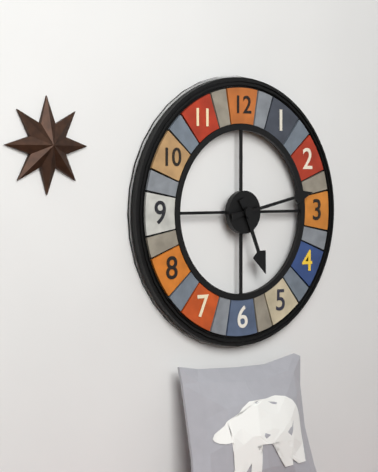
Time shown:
**5:13**
